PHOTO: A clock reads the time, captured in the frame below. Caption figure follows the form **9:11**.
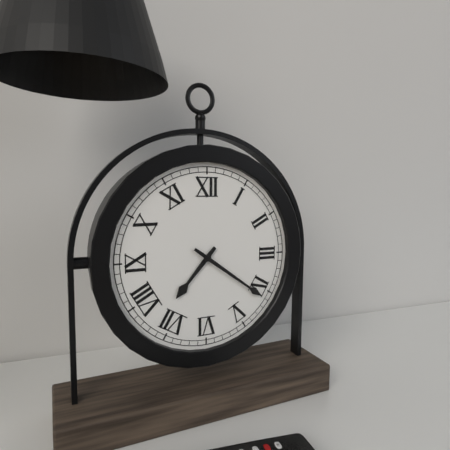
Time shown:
**7:21**
